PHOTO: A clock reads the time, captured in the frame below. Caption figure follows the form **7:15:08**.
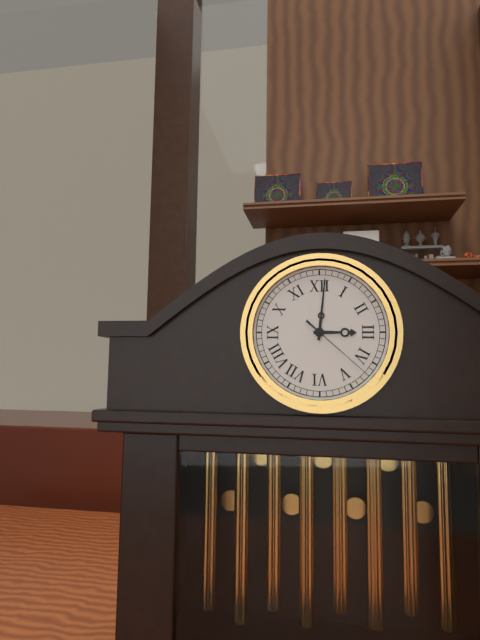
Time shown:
**3:01:22**
